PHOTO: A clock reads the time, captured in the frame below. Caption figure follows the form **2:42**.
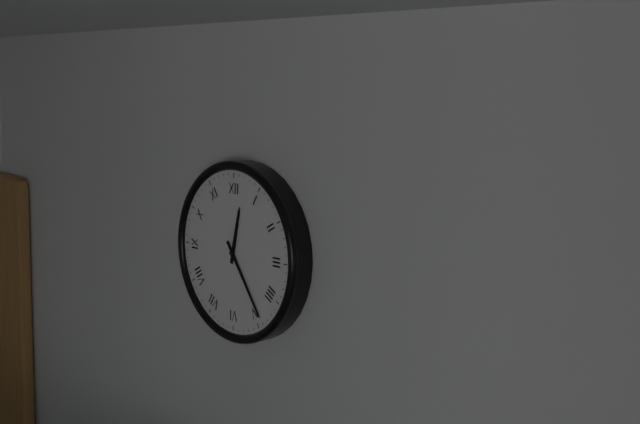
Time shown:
**12:24**
